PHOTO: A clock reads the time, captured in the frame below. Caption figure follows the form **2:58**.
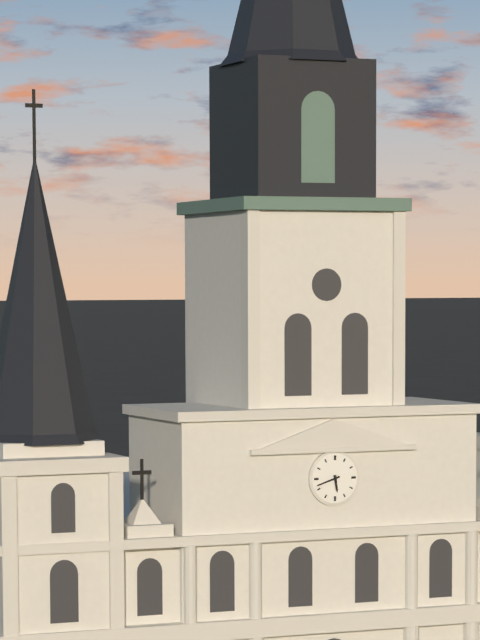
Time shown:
**5:42**
